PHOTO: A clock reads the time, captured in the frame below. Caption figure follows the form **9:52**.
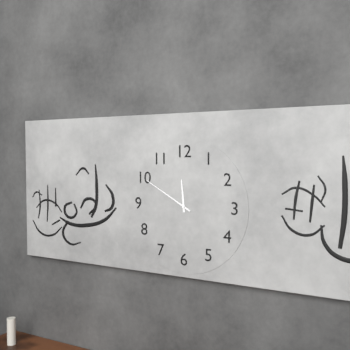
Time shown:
**11:50**
